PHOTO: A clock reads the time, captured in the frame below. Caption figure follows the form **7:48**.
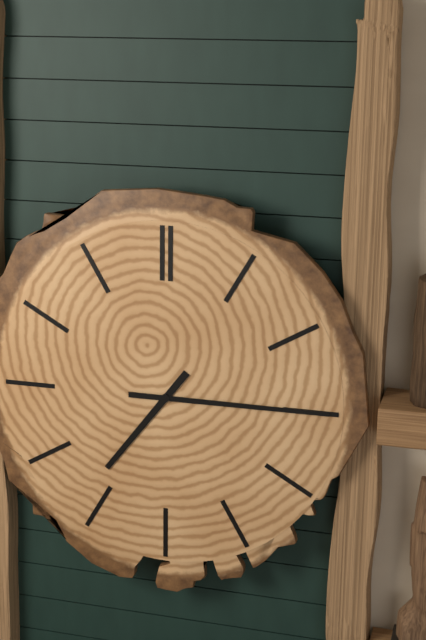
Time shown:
**7:15**
